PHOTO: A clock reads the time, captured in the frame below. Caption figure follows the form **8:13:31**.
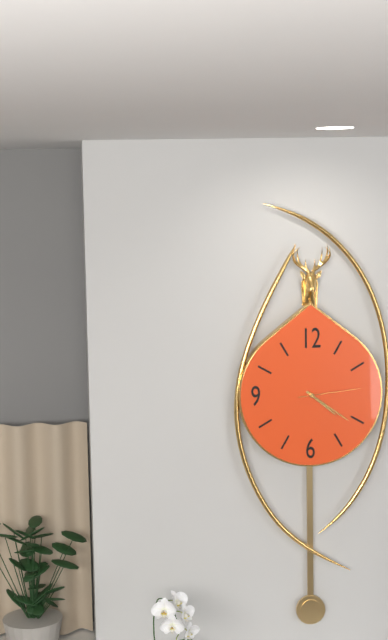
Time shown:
**4:21:14**
